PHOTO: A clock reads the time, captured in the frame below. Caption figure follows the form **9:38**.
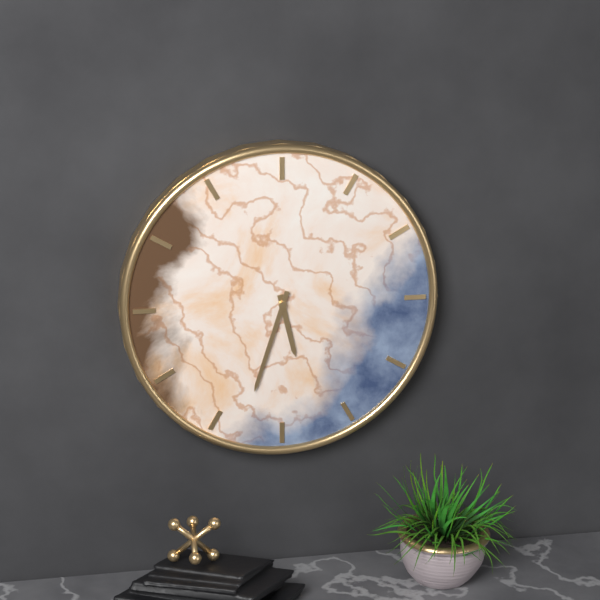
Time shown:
**5:33**
